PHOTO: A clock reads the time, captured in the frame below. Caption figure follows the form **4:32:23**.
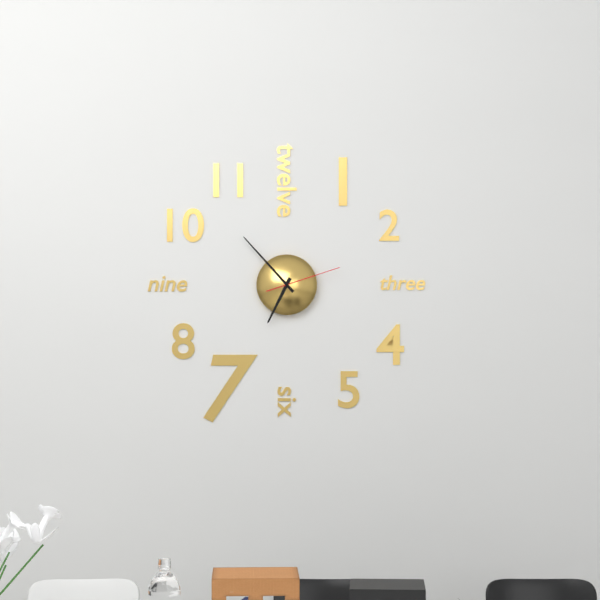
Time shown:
**6:53:12**
